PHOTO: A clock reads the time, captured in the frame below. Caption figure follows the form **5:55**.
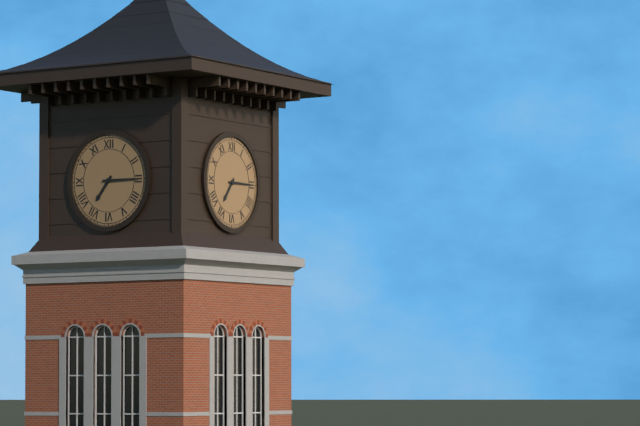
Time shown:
**7:15**
